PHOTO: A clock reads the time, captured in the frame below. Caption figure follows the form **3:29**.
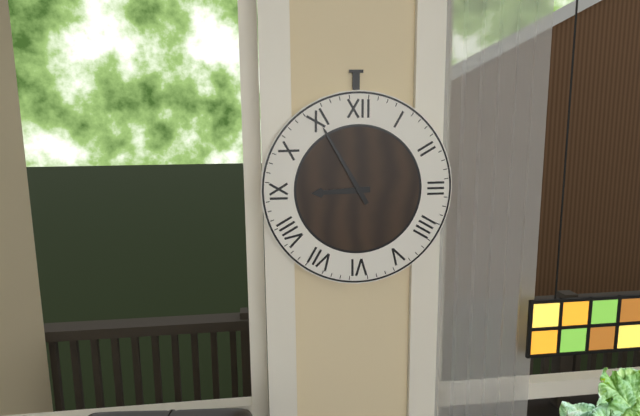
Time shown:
**8:55**
